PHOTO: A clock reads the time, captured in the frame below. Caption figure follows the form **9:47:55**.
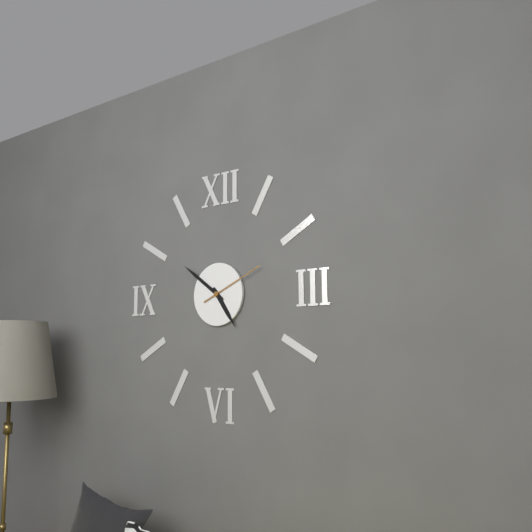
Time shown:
**4:51:11**
